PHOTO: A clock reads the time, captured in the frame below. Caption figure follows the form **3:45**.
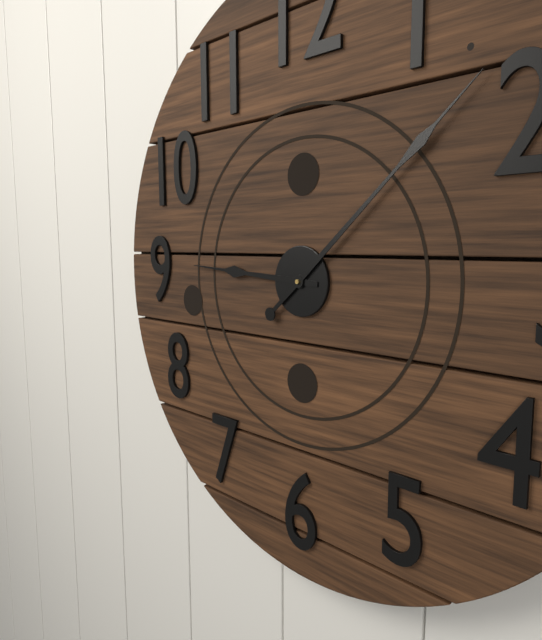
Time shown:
**9:08**
